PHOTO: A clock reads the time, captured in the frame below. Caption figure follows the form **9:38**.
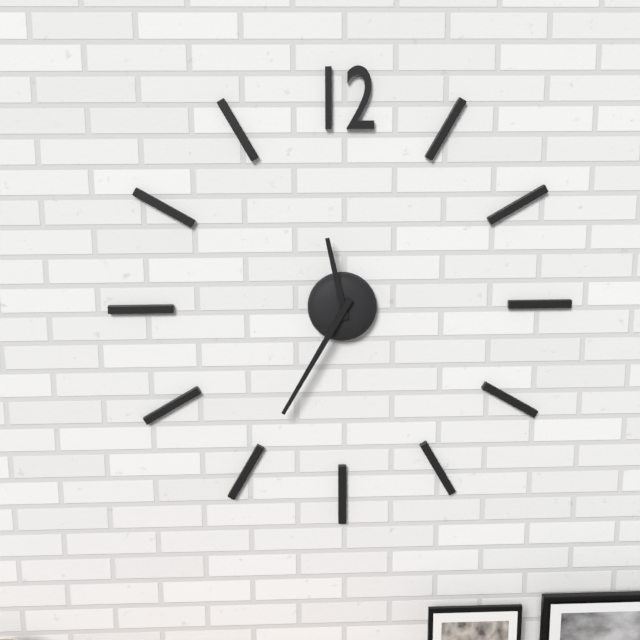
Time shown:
**11:35**
